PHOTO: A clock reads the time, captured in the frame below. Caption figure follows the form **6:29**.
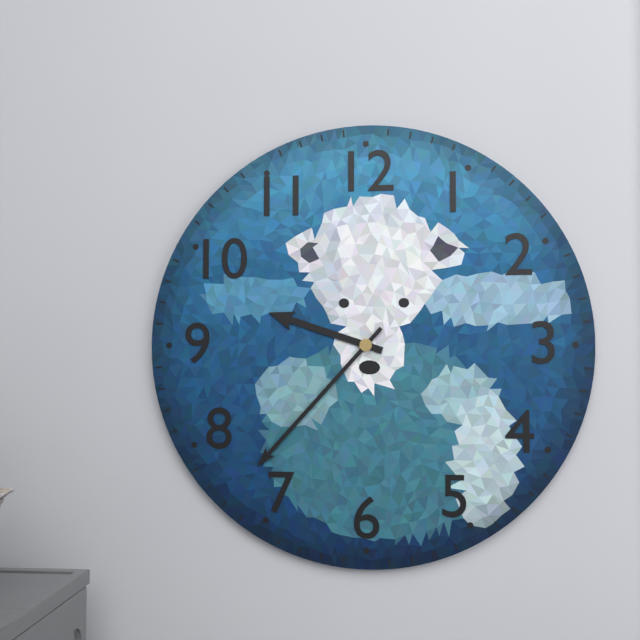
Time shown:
**9:37**
